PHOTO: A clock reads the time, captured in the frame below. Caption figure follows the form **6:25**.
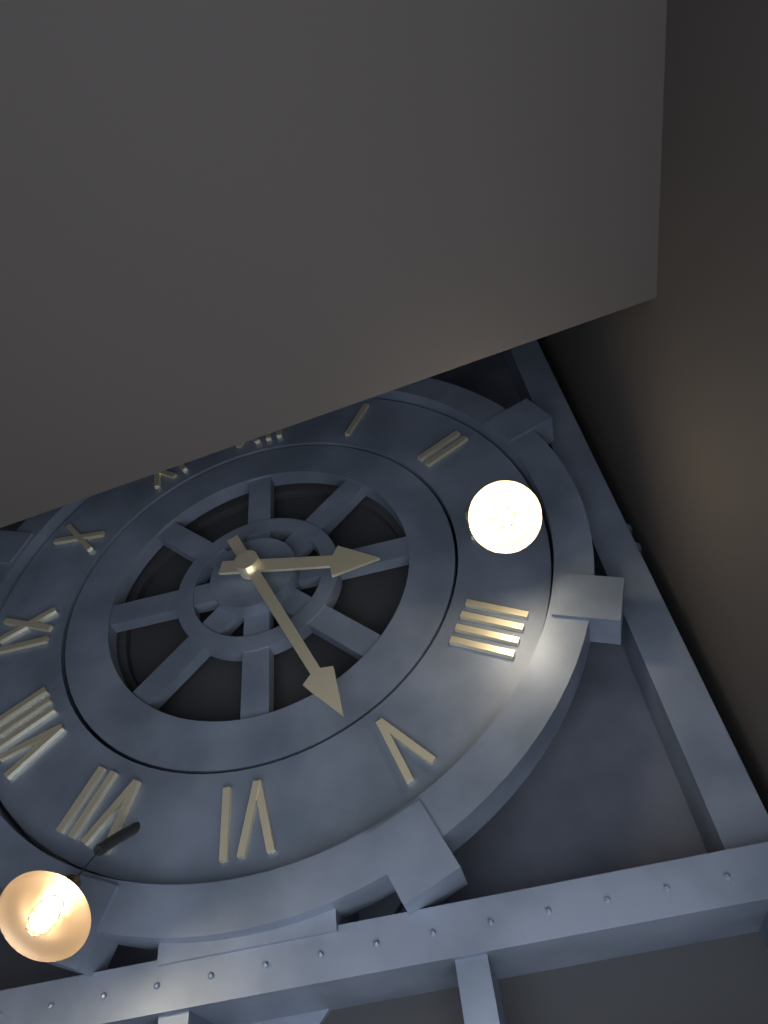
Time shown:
**3:26**
